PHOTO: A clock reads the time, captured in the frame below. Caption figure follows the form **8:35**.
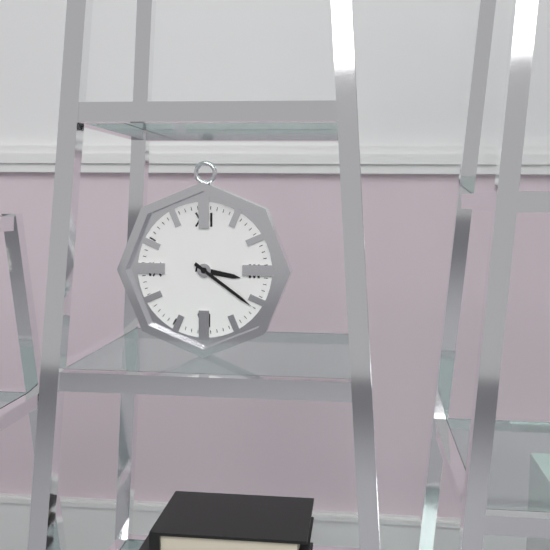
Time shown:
**3:21**
